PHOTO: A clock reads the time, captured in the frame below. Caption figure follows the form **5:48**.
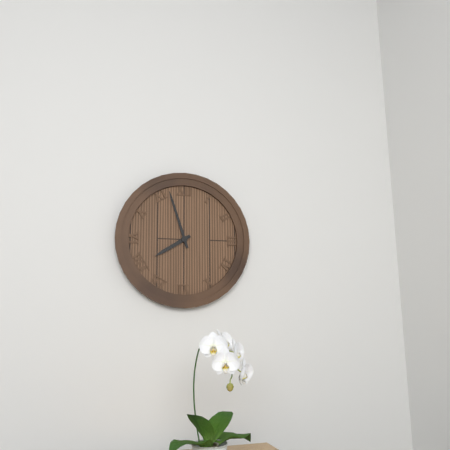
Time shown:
**7:57**
